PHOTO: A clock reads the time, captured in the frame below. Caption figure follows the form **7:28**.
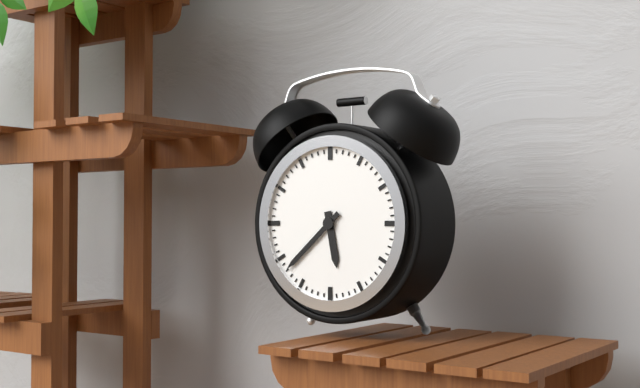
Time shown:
**5:38**
